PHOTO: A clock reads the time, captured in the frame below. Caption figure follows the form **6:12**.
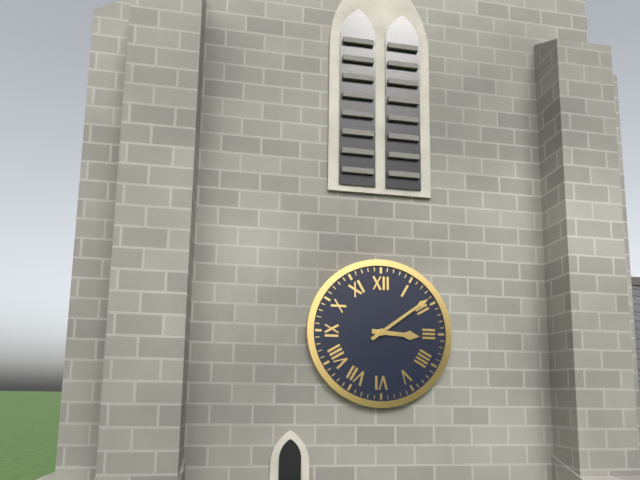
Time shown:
**3:09**
